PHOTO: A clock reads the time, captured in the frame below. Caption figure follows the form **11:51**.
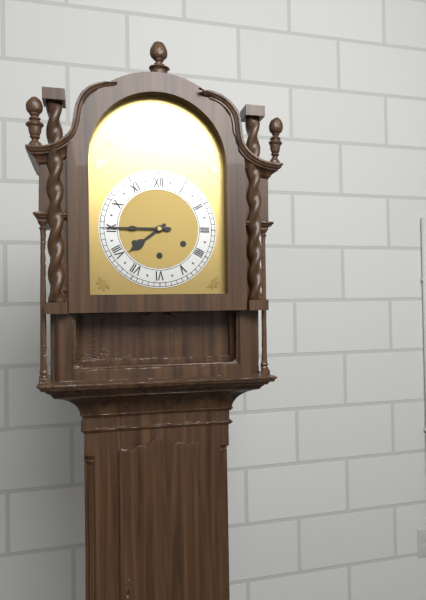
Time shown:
**7:45**
